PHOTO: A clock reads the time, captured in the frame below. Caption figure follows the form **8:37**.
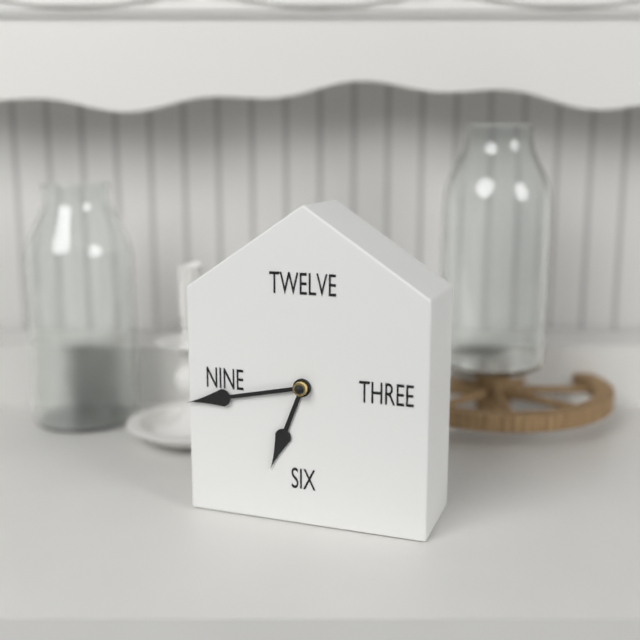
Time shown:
**6:43**
